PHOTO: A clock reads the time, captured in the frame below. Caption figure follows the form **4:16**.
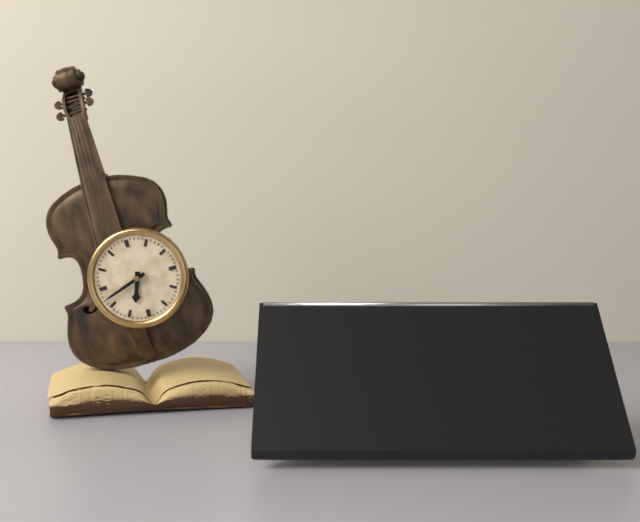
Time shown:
**6:42**
